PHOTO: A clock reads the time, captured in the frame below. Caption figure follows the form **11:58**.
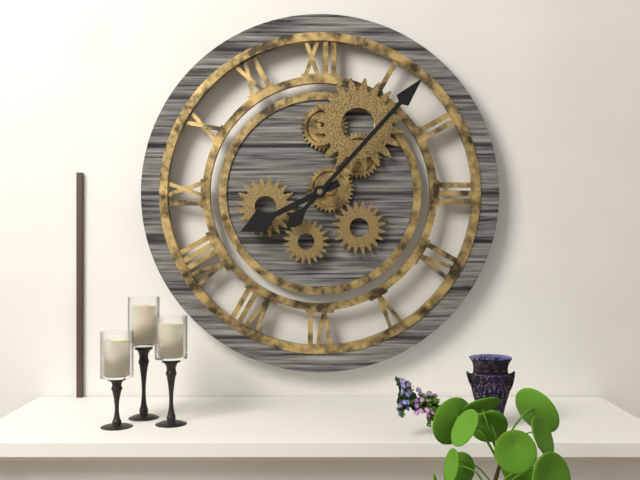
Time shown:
**8:07**
